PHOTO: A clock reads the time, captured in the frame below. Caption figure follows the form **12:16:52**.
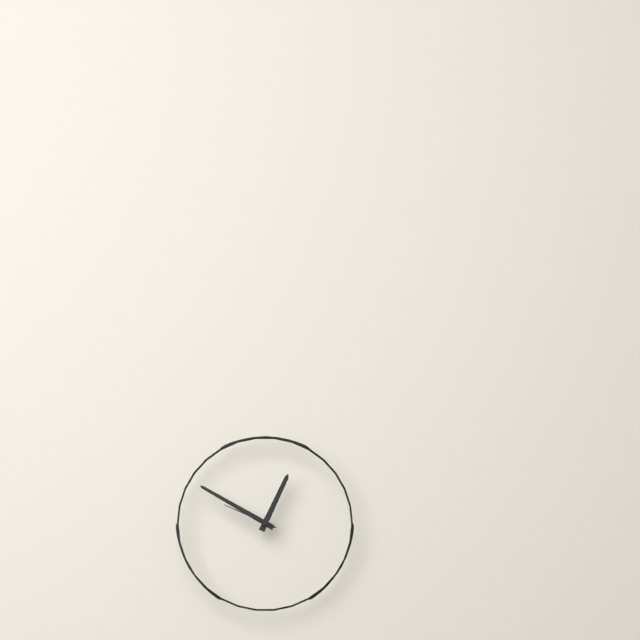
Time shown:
**12:50:49**
